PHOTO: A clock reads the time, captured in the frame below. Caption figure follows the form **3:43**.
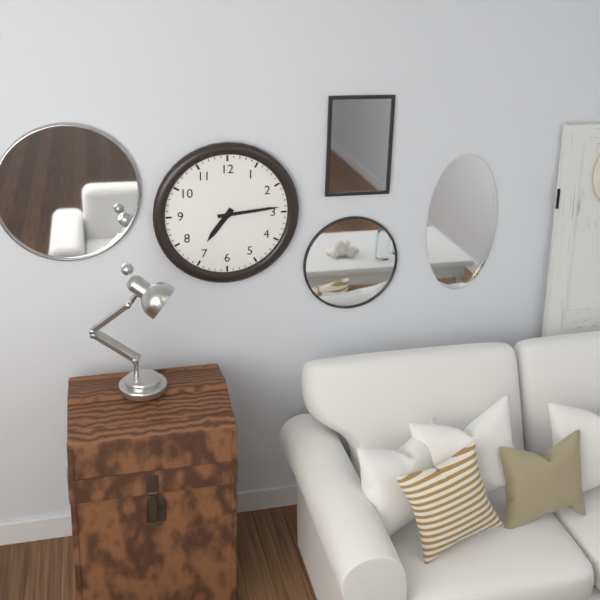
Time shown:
**7:14**
